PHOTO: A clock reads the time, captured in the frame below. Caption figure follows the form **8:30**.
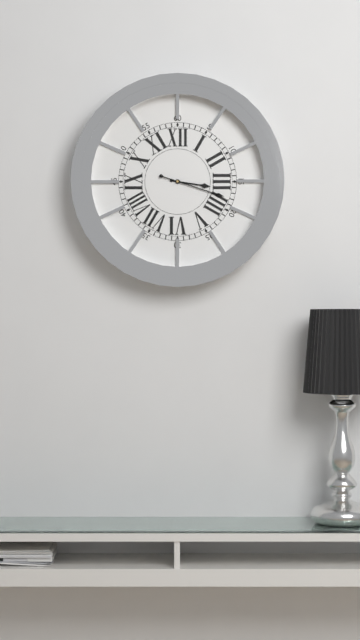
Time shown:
**3:18**
